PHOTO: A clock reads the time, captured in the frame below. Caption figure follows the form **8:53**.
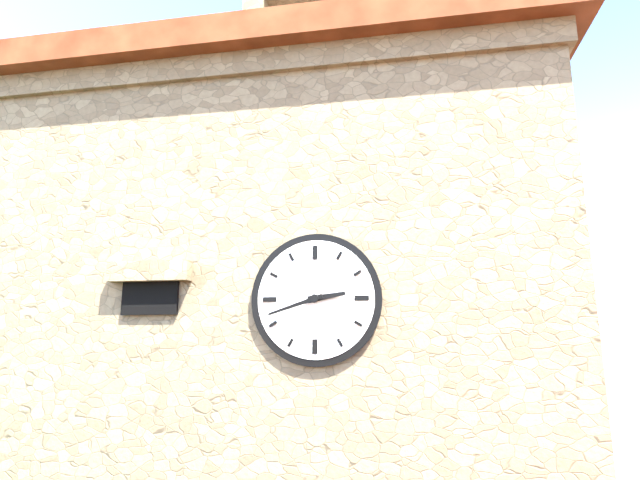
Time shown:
**2:42**
